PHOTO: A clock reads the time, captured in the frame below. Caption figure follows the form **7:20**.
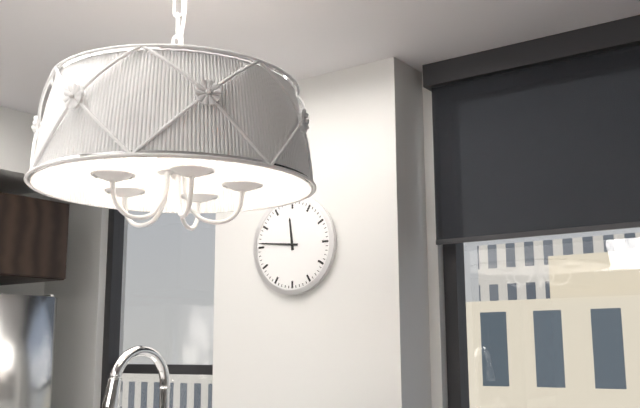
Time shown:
**11:46**
